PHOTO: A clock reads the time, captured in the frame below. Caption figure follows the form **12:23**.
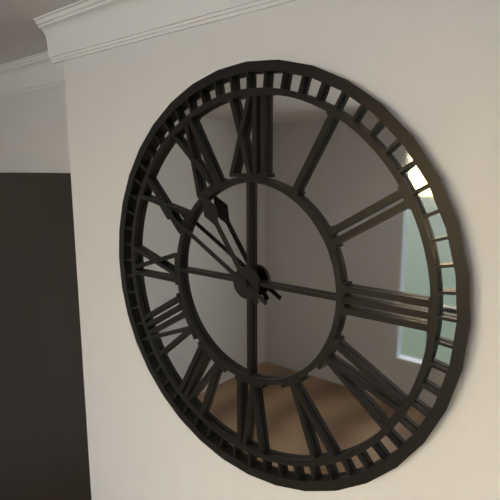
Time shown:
**10:50**
